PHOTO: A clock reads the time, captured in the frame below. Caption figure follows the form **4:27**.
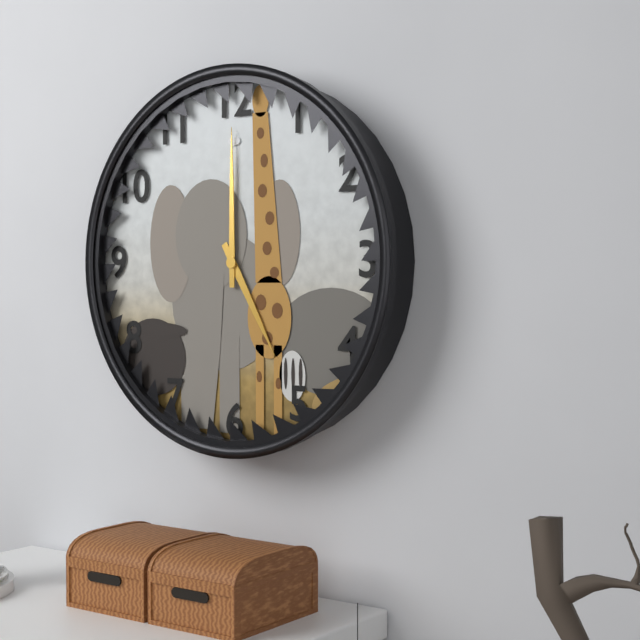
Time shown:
**5:00**
